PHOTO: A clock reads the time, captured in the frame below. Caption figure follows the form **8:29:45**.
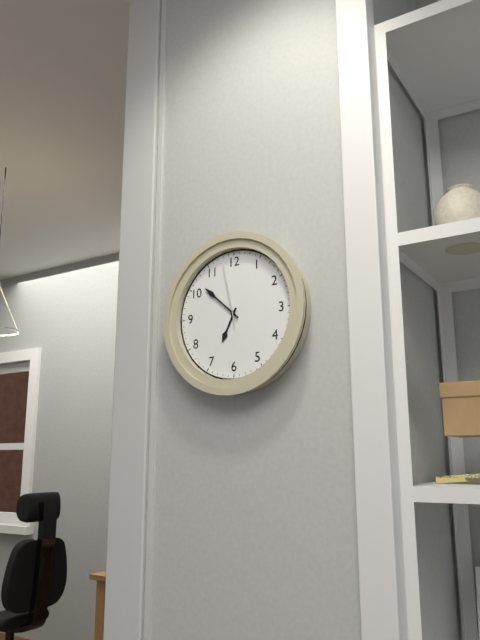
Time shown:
**6:52:58**
